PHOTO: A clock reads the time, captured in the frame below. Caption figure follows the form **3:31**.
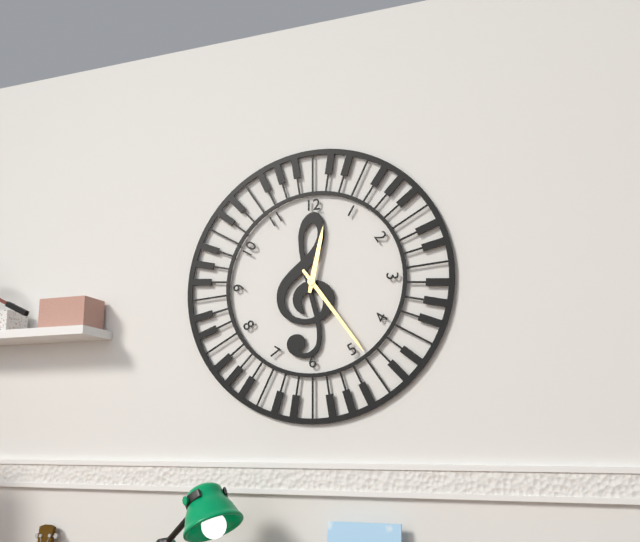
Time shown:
**12:24**
